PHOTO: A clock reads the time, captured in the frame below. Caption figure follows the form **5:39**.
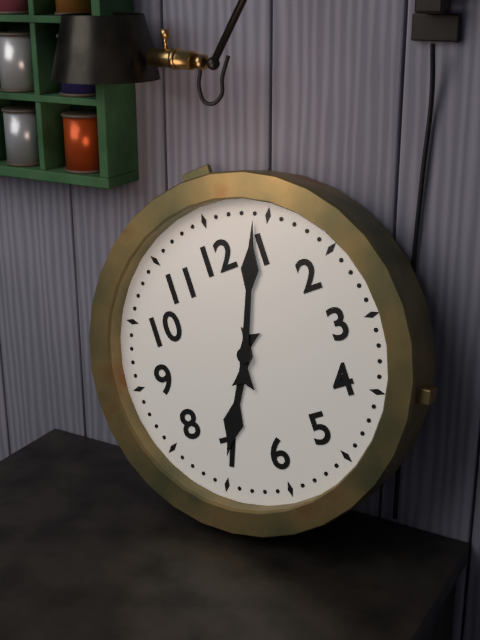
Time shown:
**7:04**
